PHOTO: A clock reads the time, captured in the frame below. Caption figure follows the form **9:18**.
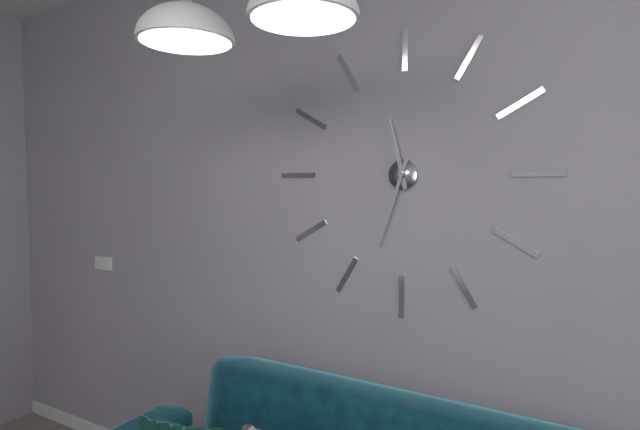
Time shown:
**11:33**
